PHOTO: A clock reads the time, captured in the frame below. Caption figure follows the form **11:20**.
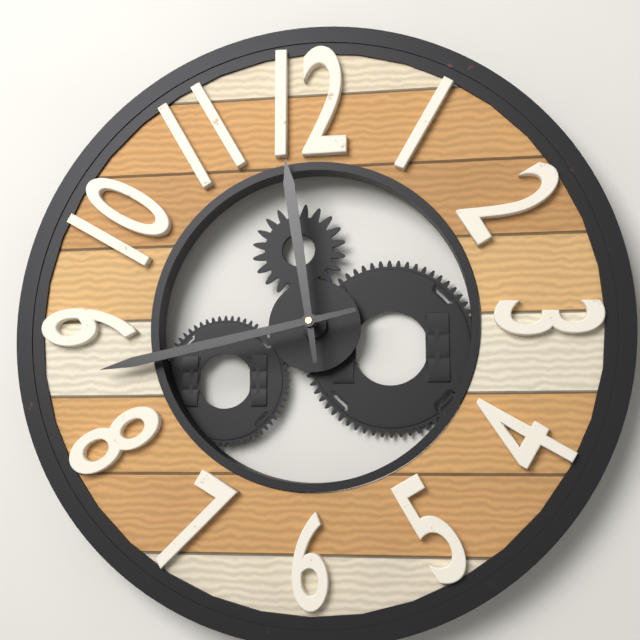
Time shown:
**11:43**
